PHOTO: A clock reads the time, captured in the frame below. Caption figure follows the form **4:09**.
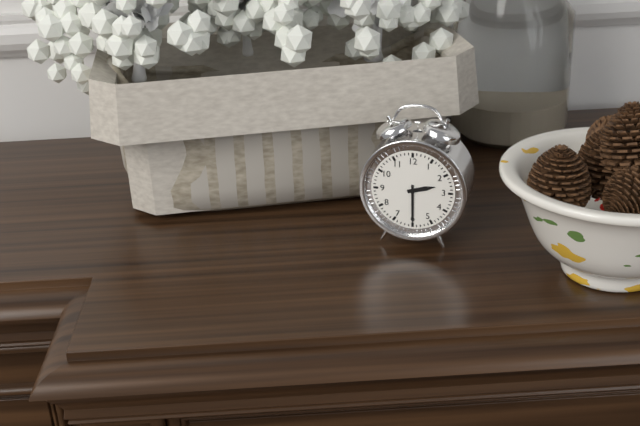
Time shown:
**2:30**
